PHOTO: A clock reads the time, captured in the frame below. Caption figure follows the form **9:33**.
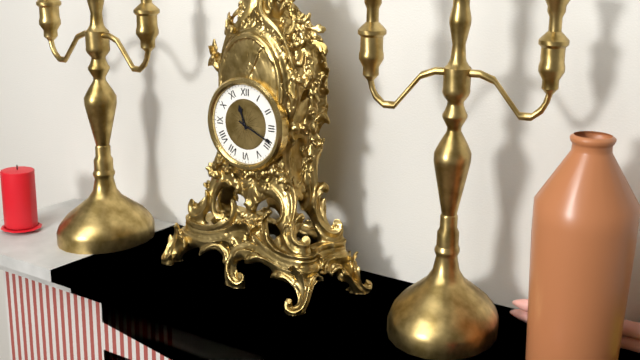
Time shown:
**11:19**
